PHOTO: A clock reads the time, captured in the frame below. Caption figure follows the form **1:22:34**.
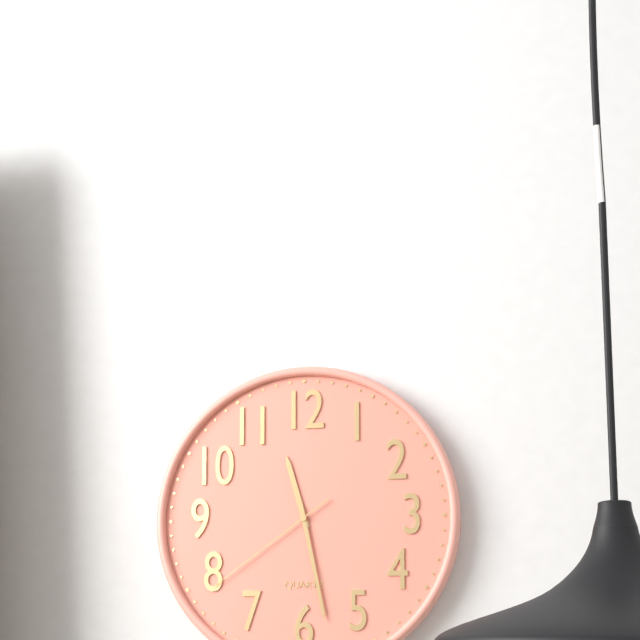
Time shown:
**11:28:39**
